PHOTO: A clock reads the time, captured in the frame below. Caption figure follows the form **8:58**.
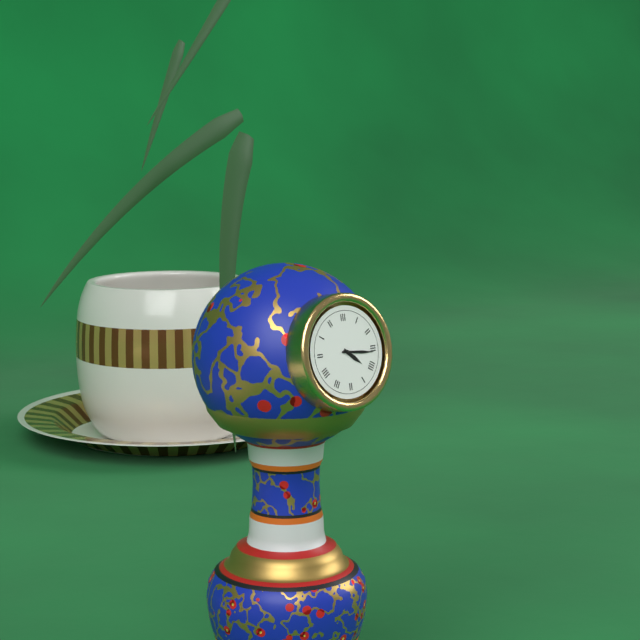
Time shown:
**4:16**
